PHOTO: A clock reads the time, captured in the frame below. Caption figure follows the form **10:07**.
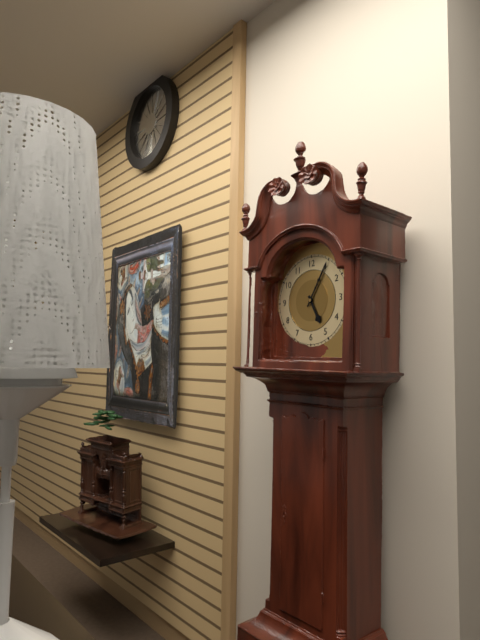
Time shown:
**5:05**
